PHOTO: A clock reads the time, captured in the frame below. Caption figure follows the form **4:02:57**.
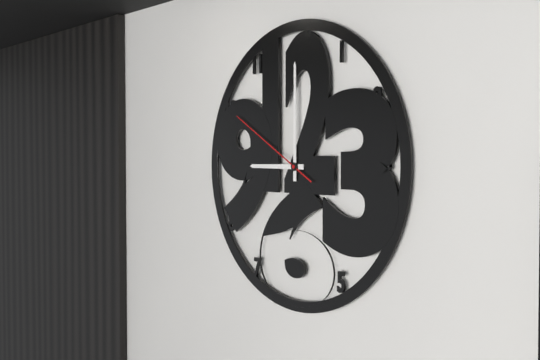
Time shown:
**9:00:50**
